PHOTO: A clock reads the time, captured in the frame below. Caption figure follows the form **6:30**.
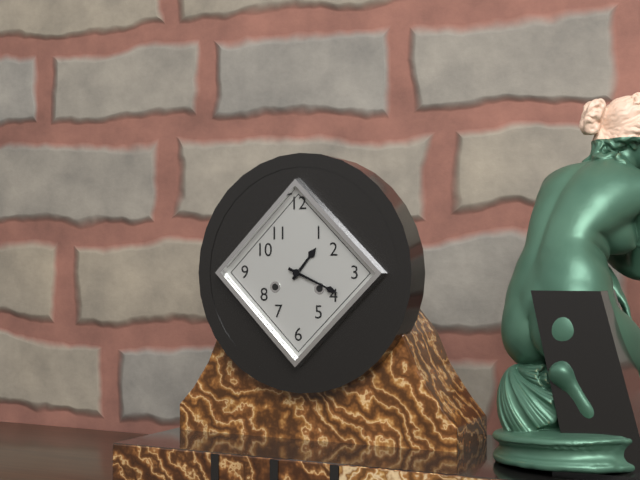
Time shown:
**1:19**
